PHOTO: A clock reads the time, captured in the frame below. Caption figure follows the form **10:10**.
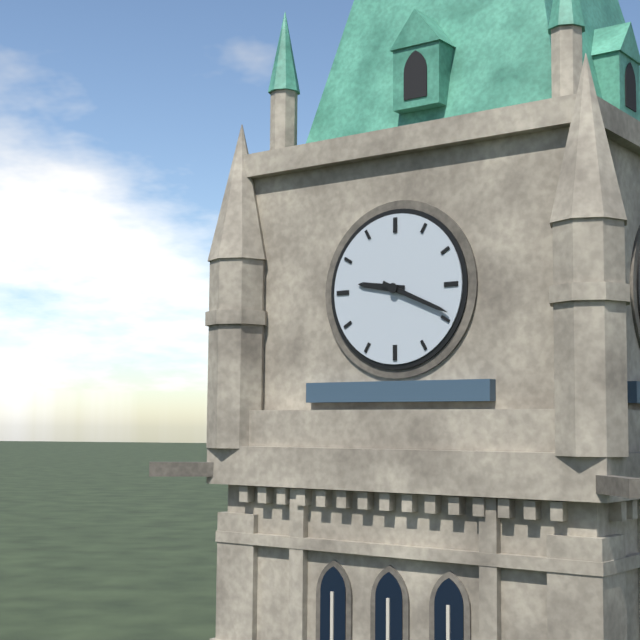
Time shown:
**9:19**
